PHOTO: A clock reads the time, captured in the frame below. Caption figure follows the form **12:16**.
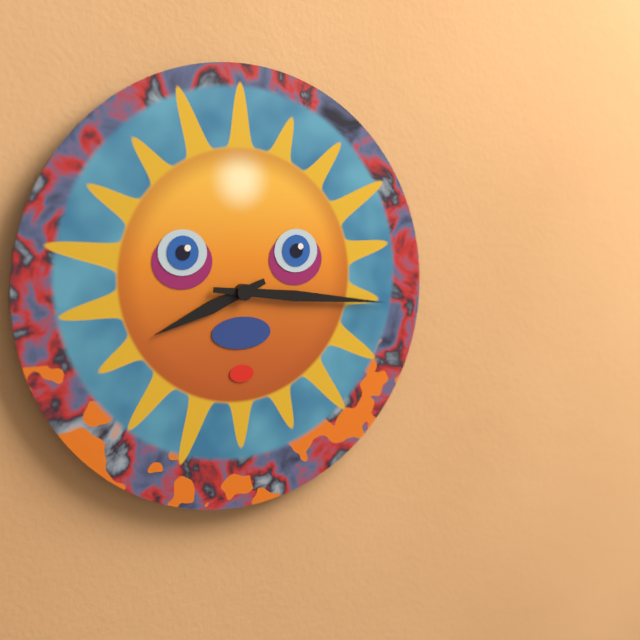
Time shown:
**8:16**
